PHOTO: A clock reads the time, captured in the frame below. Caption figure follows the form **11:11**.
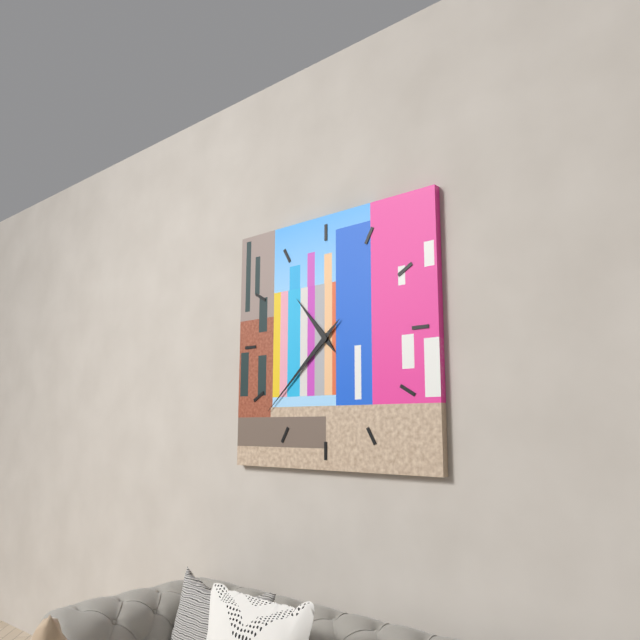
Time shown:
**10:38**
